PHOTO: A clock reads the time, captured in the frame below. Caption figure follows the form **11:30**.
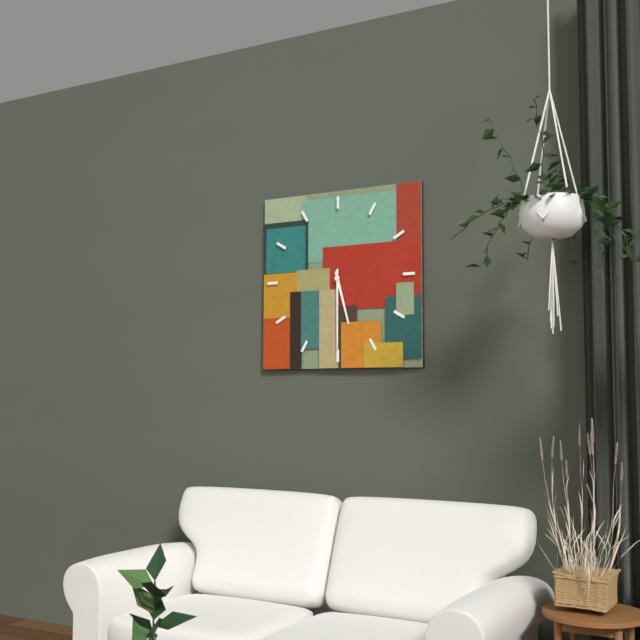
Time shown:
**5:30**
